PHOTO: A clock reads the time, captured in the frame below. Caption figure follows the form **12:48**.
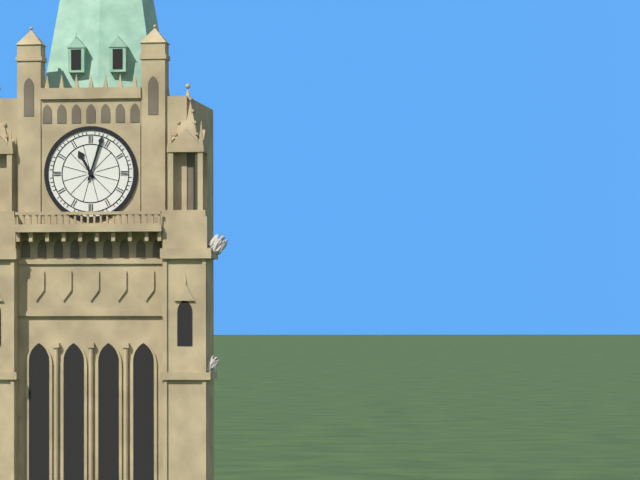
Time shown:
**11:03**
